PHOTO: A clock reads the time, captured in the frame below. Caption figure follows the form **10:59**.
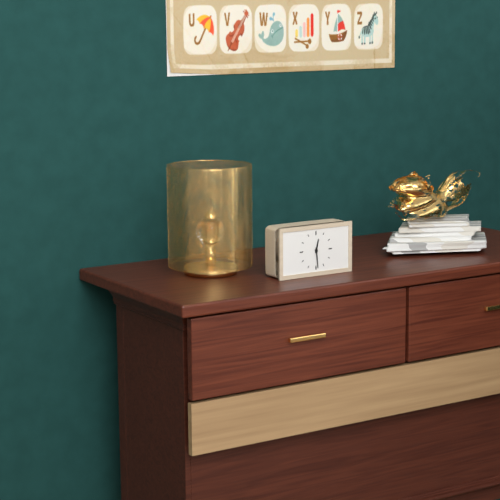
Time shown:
**12:29**
